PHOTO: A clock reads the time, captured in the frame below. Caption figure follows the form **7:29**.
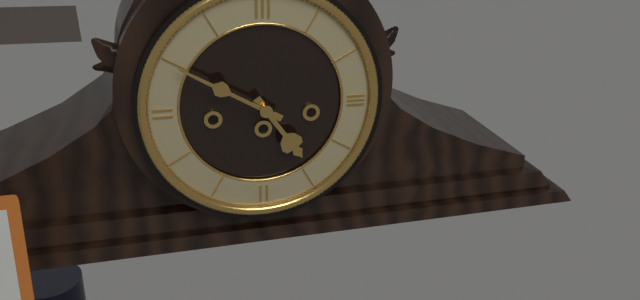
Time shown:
**4:50**
